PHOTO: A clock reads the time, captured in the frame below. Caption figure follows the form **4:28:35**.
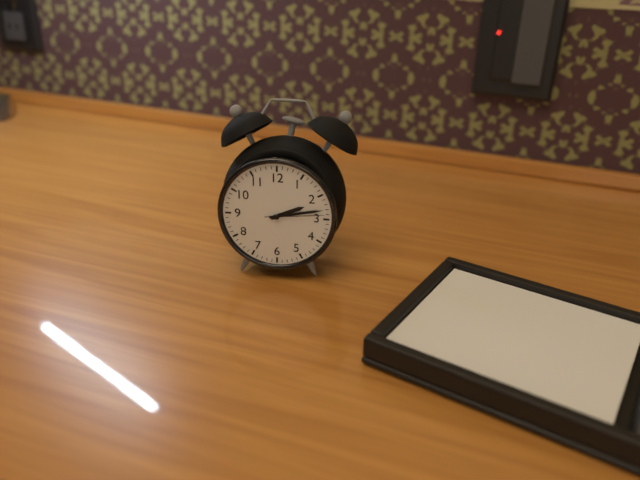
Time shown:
**2:13:14**
